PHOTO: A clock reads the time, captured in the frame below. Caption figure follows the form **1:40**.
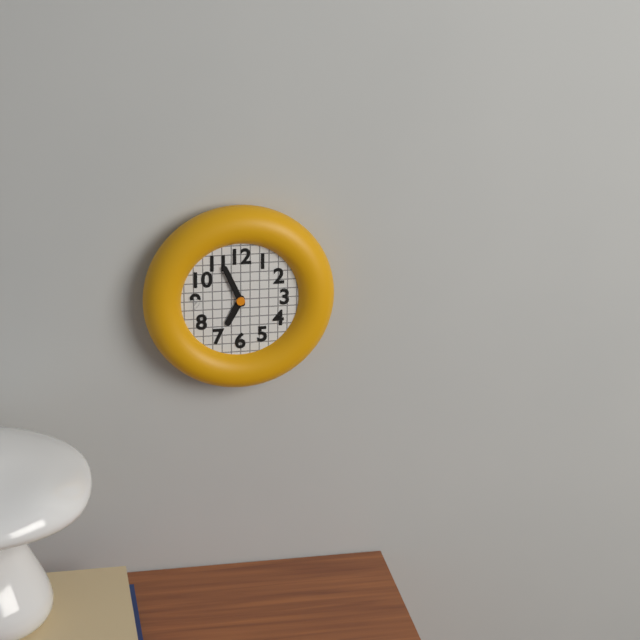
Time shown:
**6:56**
